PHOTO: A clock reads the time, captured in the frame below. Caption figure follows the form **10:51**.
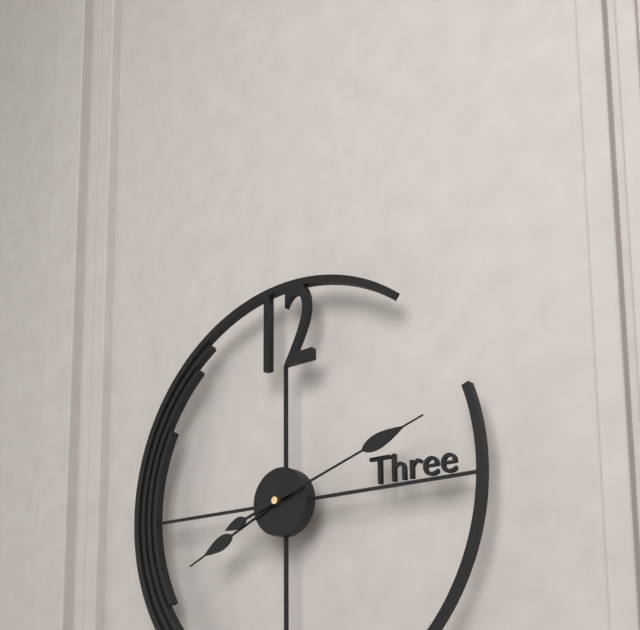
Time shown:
**8:12**
